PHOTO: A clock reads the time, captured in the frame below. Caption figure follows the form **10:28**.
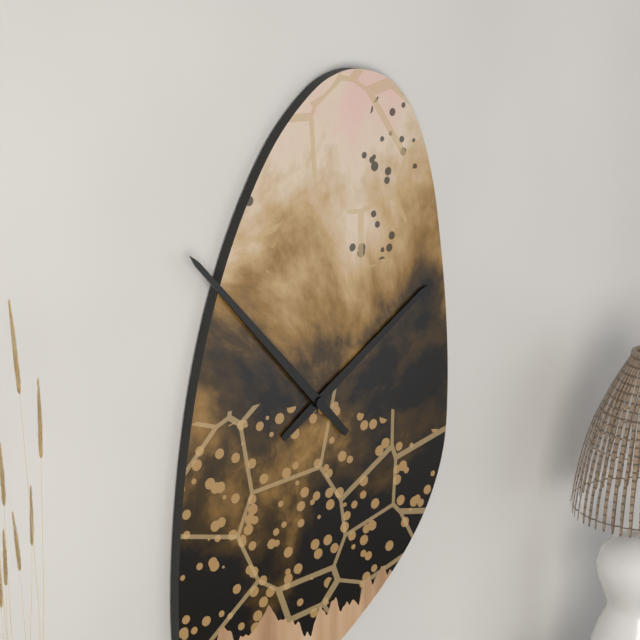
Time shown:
**1:53**
